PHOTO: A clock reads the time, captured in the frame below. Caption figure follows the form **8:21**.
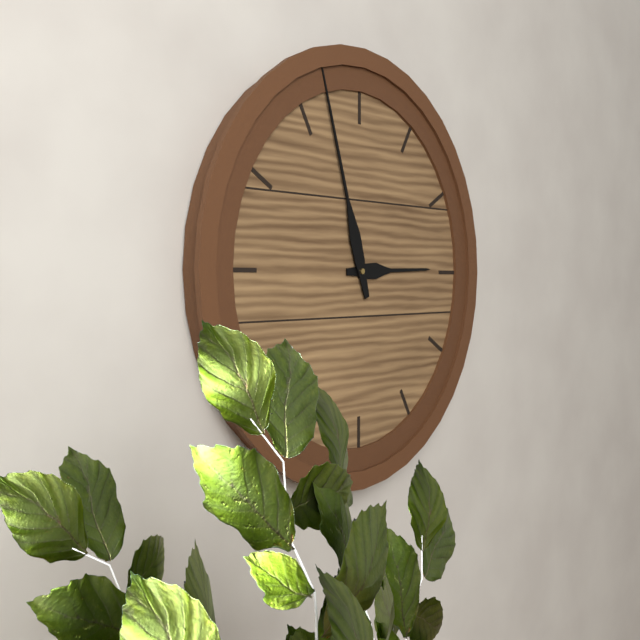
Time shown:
**2:57**
